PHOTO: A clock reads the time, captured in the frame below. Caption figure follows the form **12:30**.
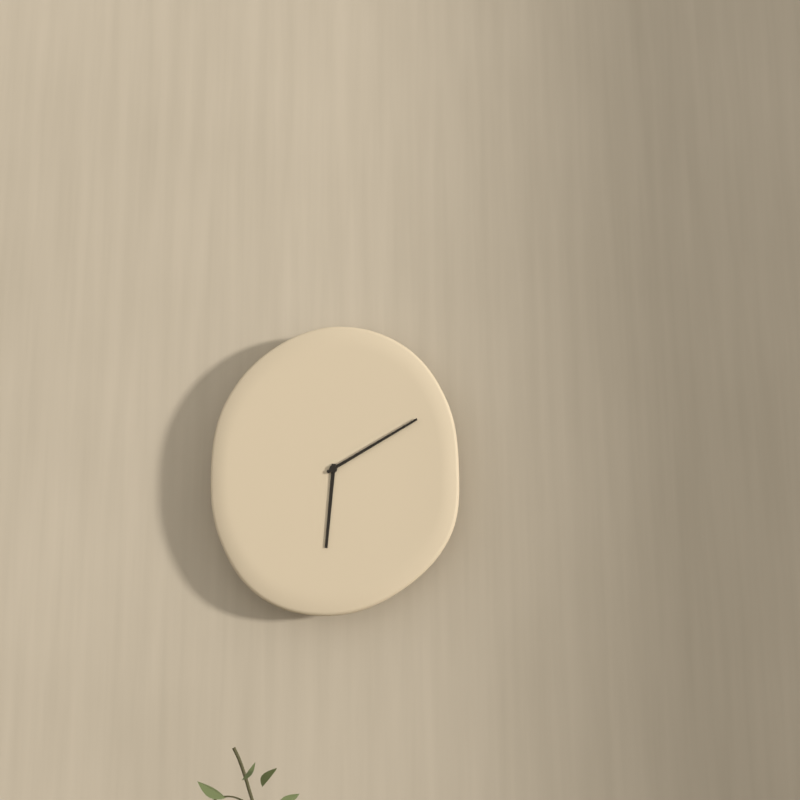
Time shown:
**6:10**
